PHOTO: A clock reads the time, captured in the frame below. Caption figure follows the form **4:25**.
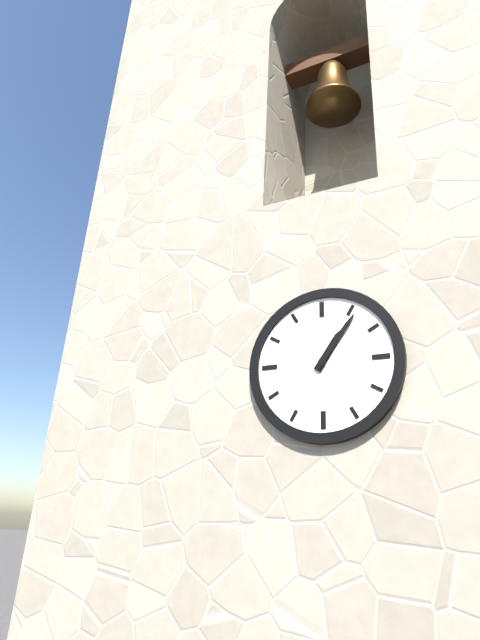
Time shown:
**1:06**
